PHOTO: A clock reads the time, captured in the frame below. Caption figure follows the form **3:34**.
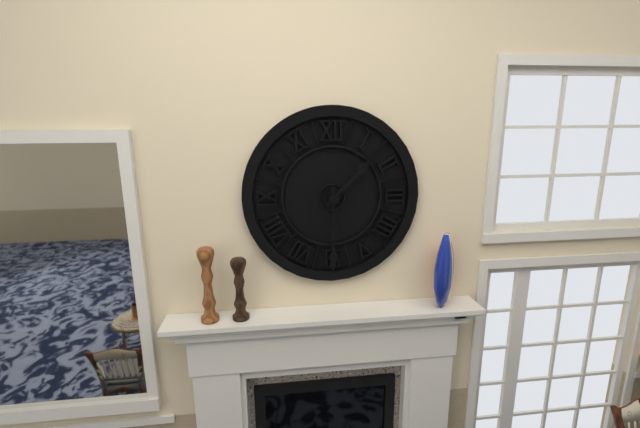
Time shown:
**1:30**
